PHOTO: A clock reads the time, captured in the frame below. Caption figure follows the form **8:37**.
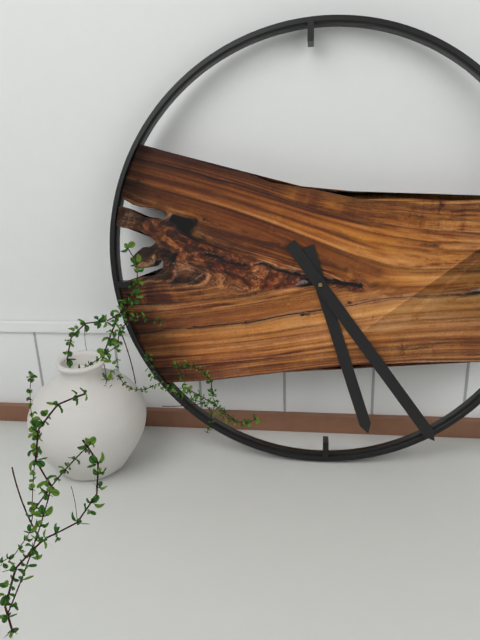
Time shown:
**5:24**
